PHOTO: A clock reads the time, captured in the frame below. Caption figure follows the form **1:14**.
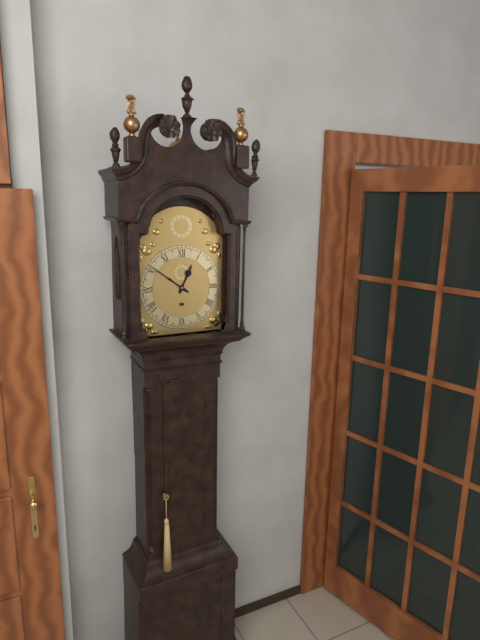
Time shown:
**12:51**
